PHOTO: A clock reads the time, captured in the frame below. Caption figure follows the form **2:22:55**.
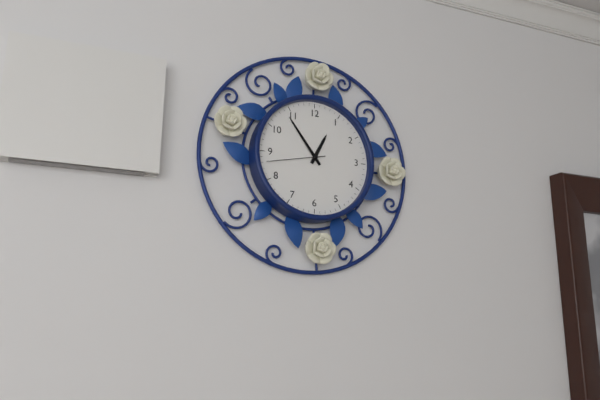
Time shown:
**12:54:43**
